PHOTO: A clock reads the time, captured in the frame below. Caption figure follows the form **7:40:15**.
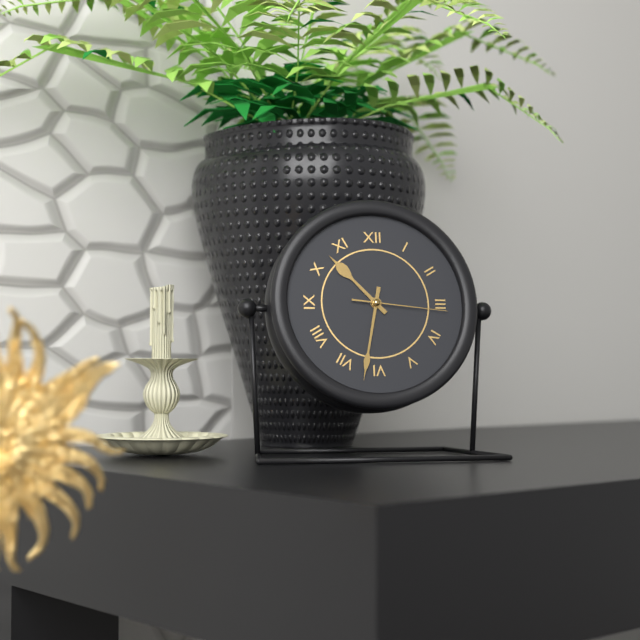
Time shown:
**10:32:16**
